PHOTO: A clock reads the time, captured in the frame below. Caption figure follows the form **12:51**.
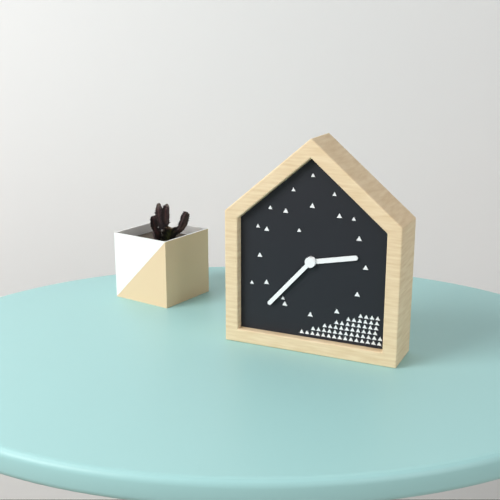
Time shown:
**2:37**
